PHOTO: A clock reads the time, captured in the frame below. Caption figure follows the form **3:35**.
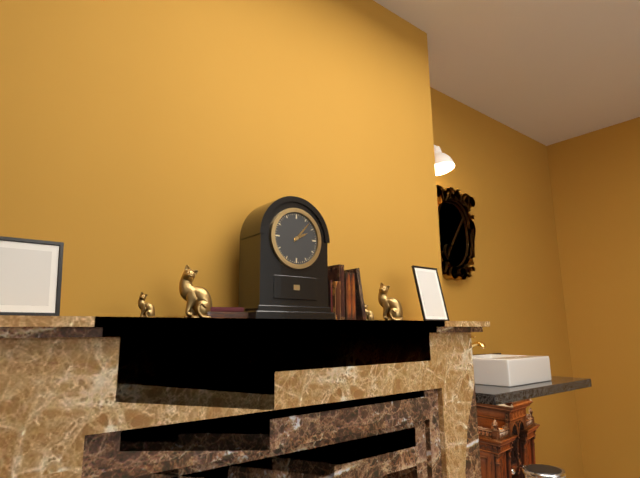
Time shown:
**2:07**
